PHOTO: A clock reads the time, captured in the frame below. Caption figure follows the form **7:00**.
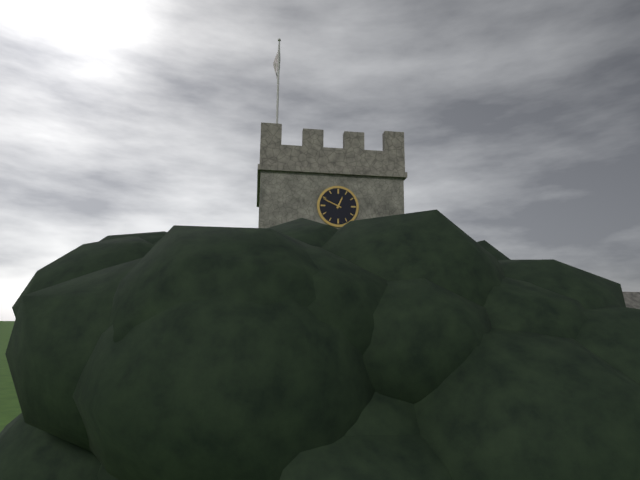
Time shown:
**12:49**
